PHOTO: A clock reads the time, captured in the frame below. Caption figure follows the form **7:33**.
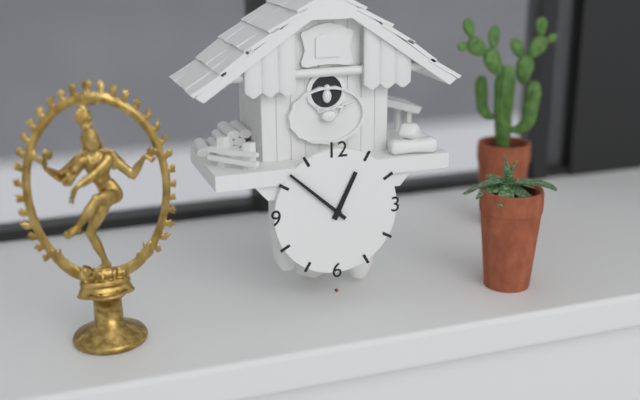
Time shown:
**12:52**
